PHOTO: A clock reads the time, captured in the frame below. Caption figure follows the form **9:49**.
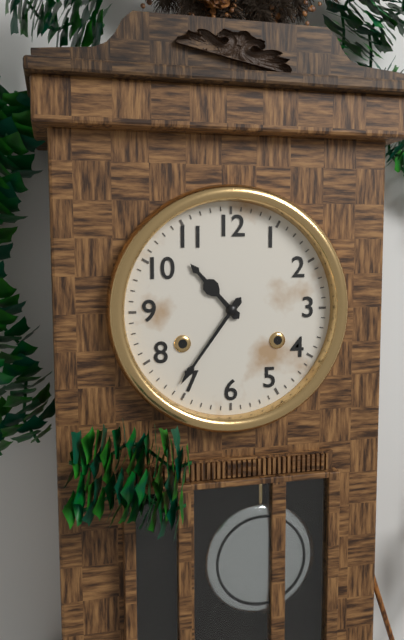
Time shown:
**10:36**
